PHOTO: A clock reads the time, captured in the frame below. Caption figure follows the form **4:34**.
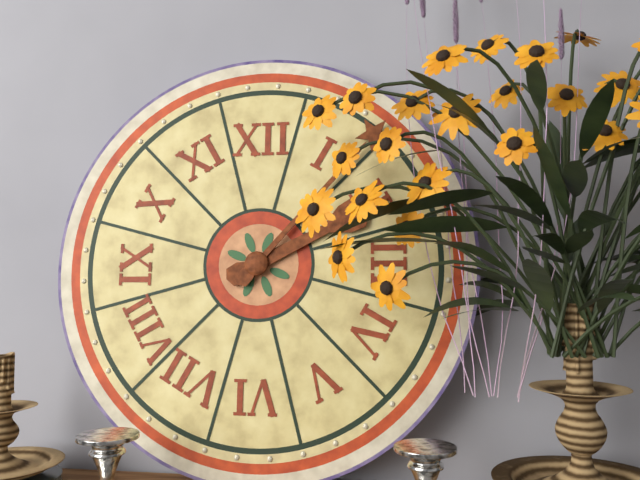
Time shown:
**2:07**
